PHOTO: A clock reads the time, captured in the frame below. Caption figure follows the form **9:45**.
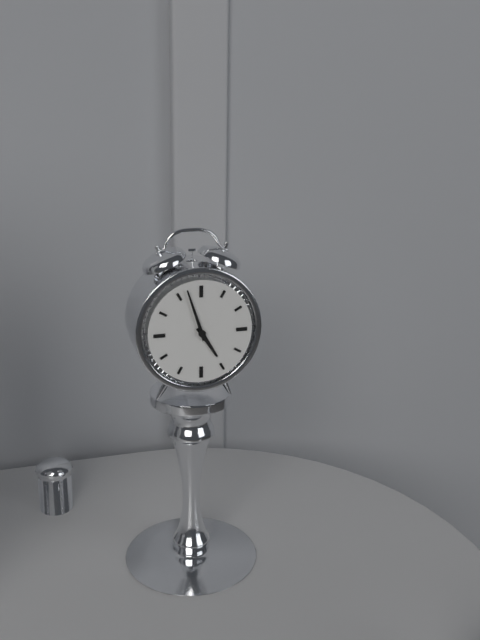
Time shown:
**4:57**
